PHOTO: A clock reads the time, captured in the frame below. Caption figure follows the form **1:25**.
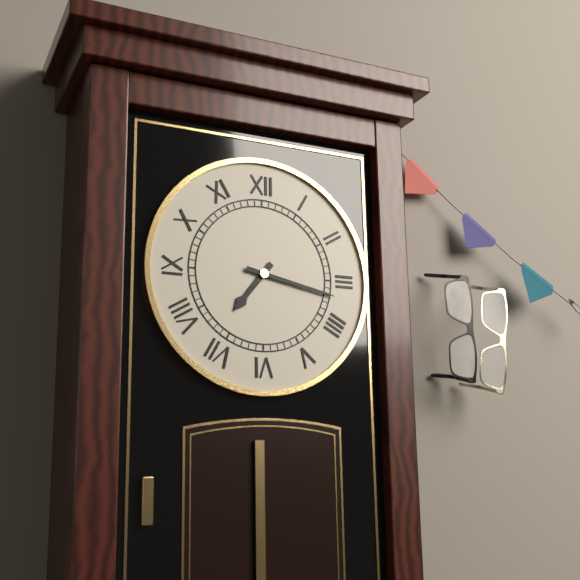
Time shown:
**7:17**
